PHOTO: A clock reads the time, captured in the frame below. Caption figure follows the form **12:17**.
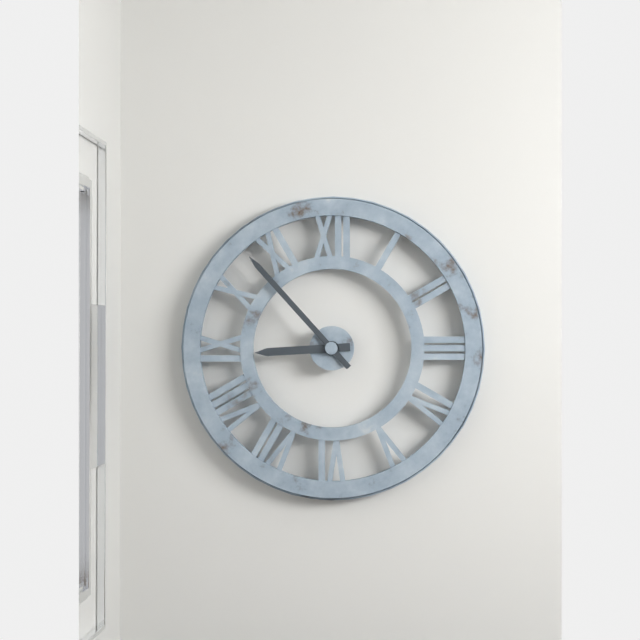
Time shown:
**8:53**
